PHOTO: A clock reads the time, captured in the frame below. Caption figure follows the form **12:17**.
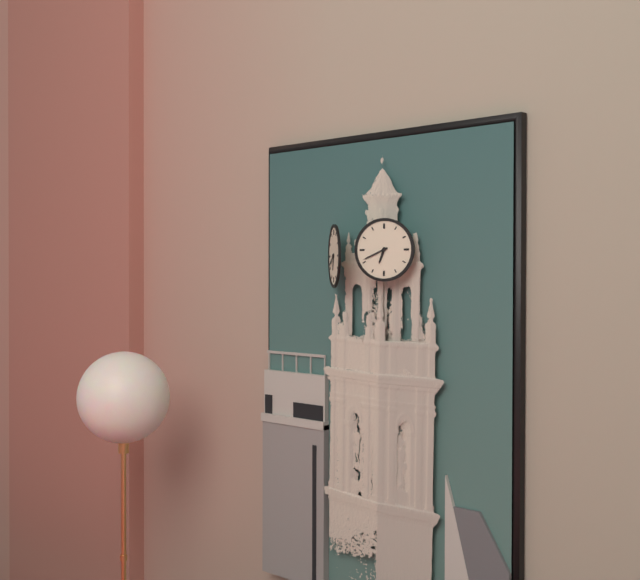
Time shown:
**6:41**
